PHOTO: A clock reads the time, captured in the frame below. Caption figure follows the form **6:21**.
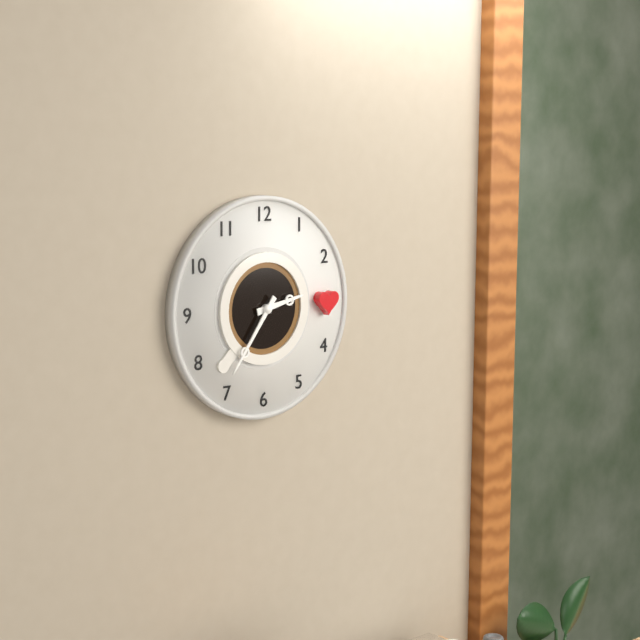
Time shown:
**2:36**
